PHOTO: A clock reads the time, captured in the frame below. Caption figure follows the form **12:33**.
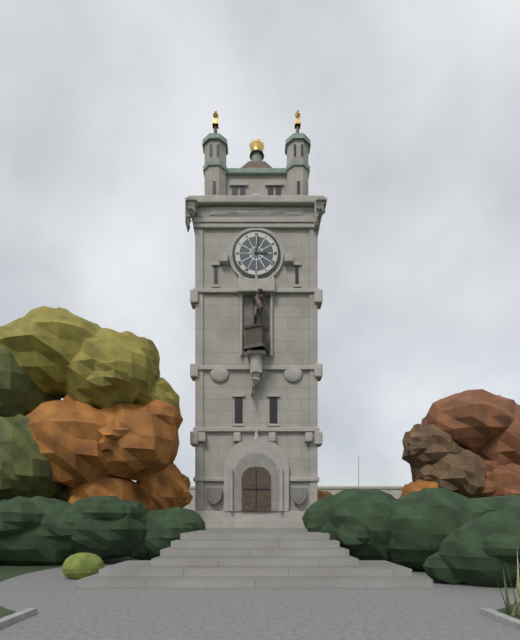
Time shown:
**3:01**
